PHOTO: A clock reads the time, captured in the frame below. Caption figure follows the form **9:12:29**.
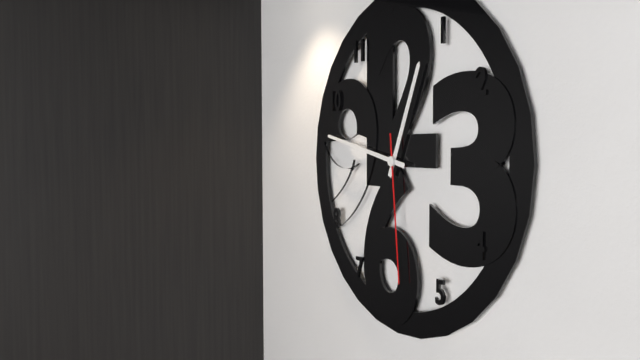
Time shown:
**12:47:29**
